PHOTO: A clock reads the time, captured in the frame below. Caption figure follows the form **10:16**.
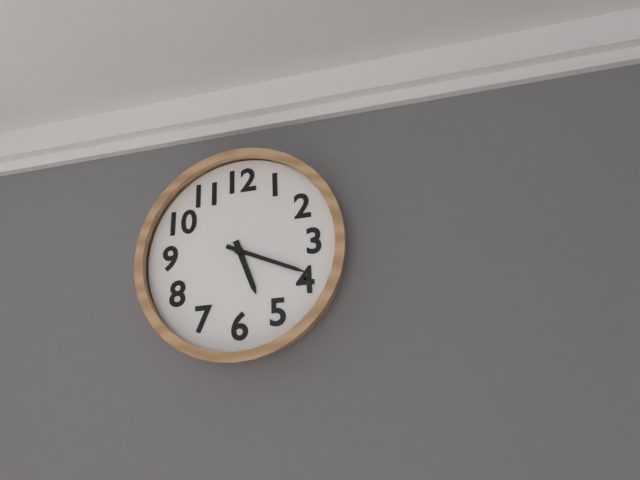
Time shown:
**5:19**
